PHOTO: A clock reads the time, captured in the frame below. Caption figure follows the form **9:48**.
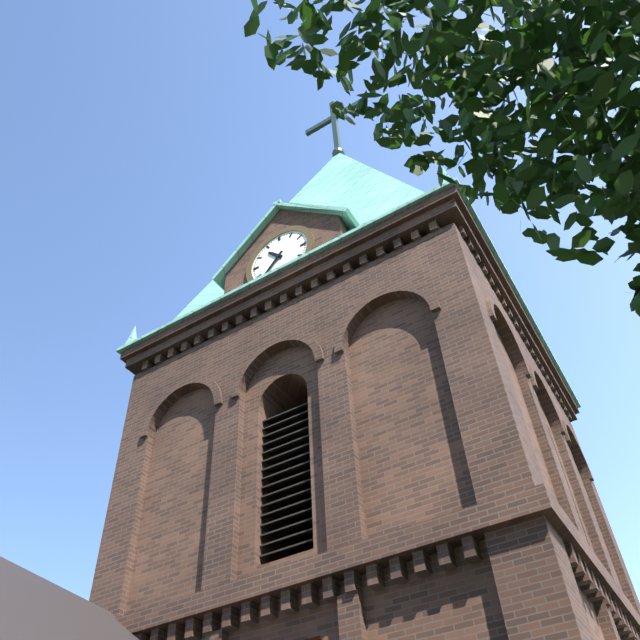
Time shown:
**10:37**
